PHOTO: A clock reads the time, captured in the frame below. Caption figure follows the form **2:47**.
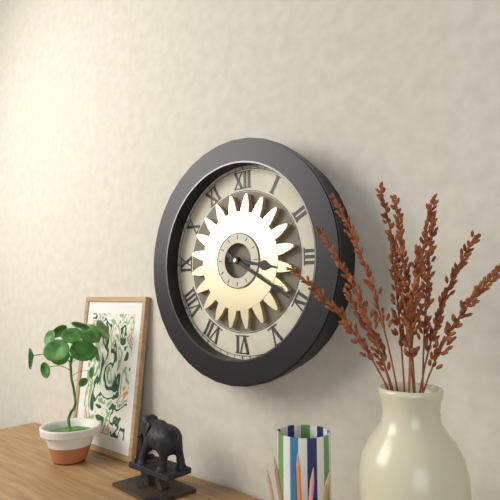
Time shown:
**3:20**
